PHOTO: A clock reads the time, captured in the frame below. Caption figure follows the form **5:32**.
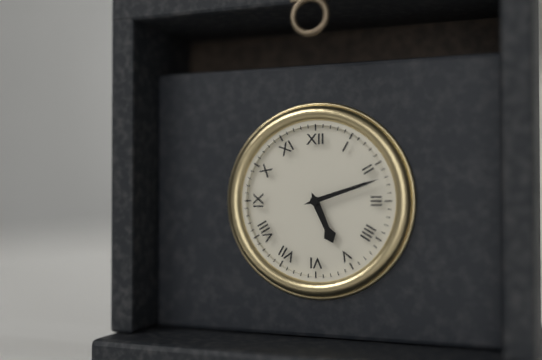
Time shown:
**5:12**
